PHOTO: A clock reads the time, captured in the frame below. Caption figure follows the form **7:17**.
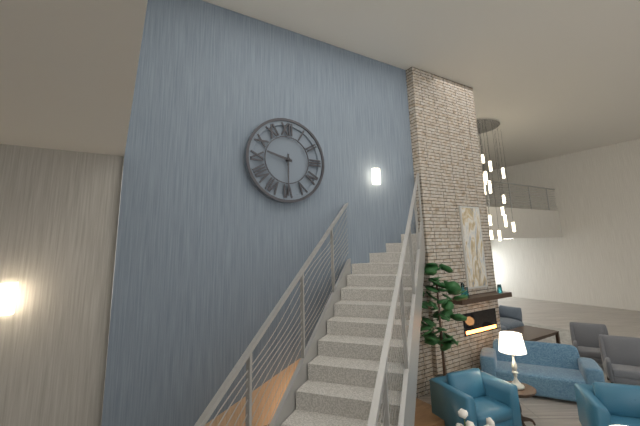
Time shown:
**9:30**
